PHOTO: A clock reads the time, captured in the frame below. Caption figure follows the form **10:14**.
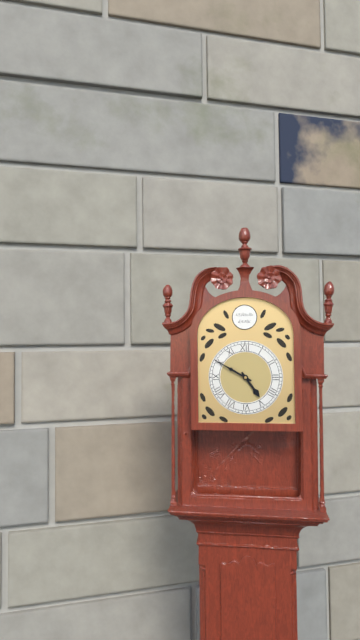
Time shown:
**4:50**
